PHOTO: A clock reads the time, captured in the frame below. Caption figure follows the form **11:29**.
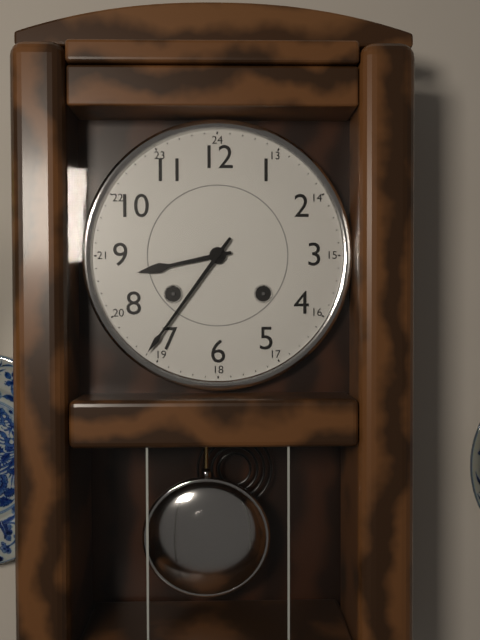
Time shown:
**8:36**
